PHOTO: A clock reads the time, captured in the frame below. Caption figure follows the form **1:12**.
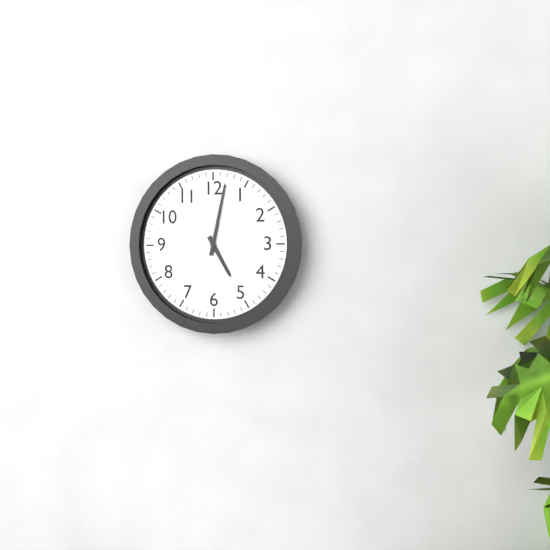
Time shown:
**5:02**
